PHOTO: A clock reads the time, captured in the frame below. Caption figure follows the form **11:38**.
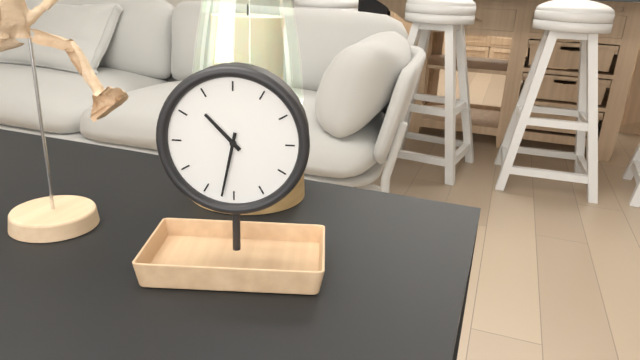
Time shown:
**10:32**
